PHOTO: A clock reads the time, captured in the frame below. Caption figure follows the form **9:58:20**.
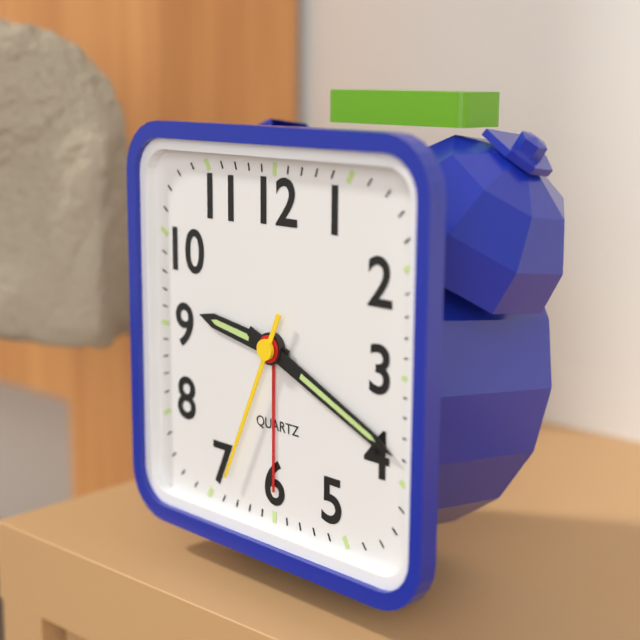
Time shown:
**9:19:34**
